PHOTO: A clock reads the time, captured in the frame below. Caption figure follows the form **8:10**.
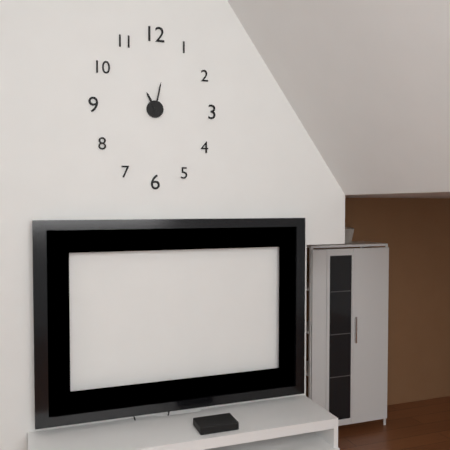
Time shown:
**11:02**
